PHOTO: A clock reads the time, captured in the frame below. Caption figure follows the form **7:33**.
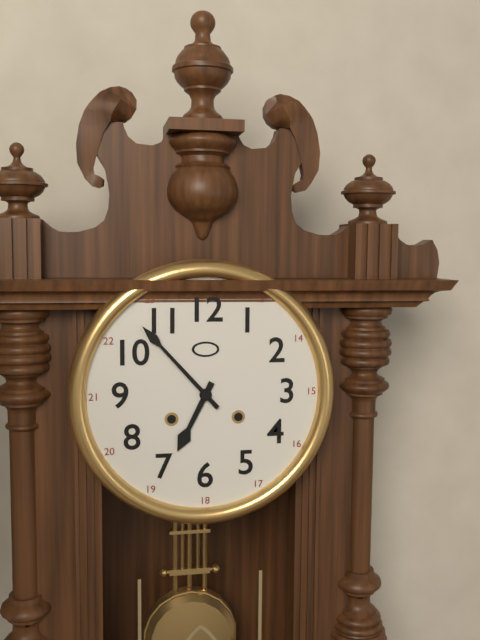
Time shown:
**6:53**
